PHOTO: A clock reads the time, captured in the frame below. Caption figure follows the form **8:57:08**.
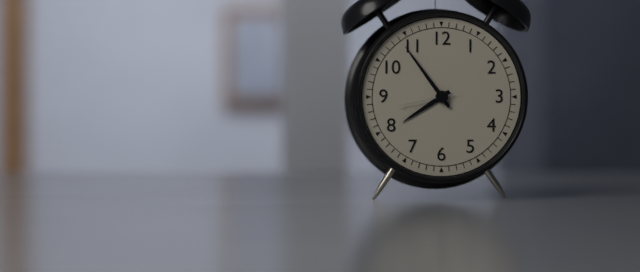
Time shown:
**7:54:43**
